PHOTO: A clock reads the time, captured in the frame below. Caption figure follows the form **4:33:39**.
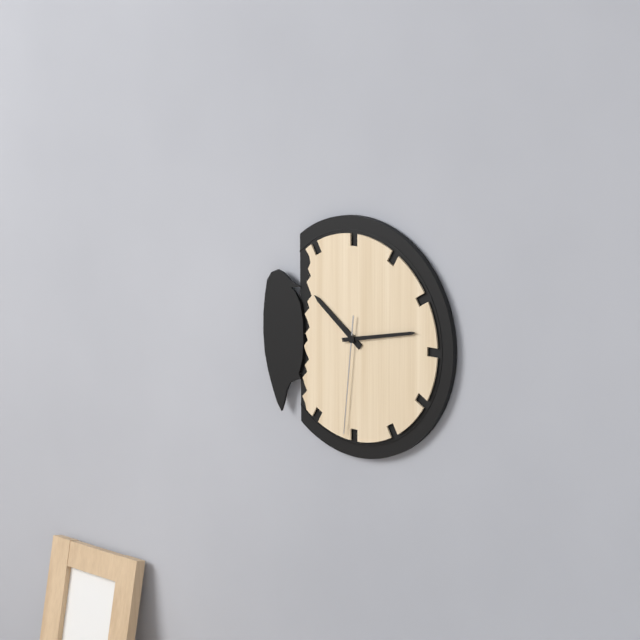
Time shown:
**10:13:31**
